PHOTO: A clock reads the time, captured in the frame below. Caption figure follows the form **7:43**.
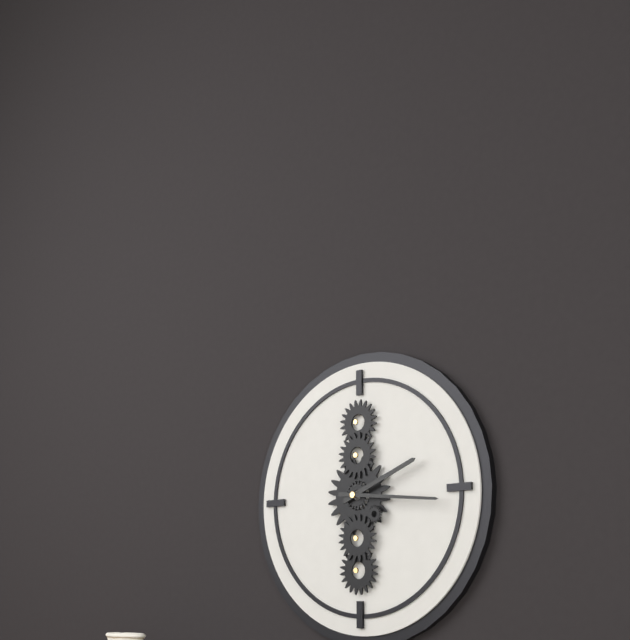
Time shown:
**2:16**
